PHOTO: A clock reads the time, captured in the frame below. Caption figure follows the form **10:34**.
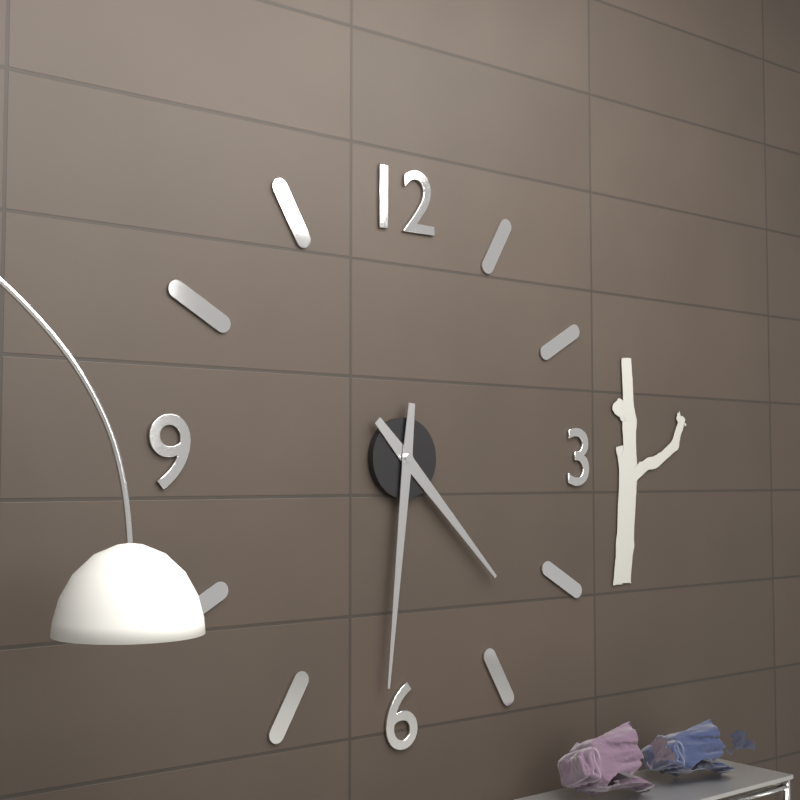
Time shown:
**4:31**
